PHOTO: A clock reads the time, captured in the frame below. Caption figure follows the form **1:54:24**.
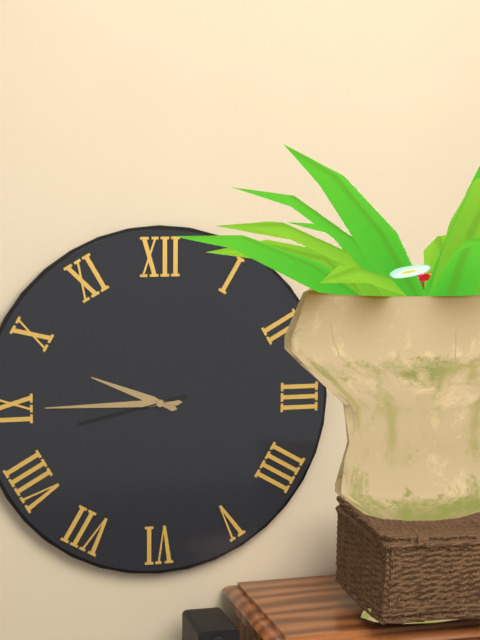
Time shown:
**9:45:43**
